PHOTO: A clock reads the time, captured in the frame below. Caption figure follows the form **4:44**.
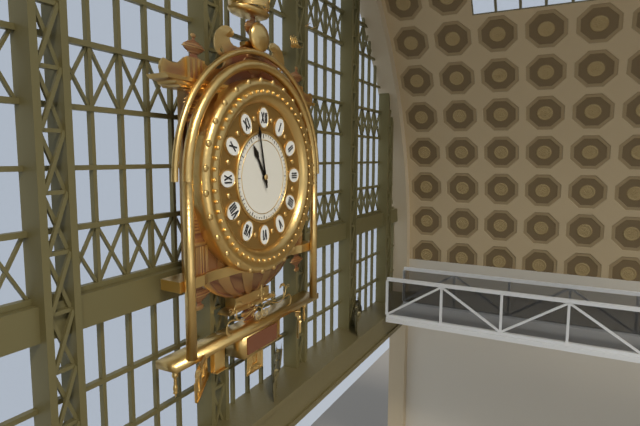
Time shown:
**10:58**
